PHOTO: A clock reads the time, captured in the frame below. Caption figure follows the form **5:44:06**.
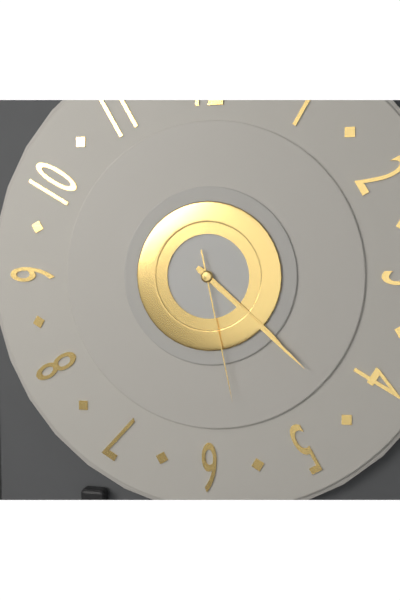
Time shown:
**4:22:28**
